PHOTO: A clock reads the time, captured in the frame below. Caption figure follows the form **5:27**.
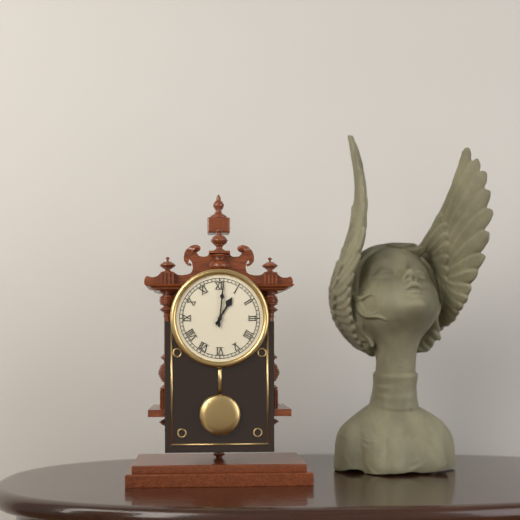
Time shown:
**1:01**
